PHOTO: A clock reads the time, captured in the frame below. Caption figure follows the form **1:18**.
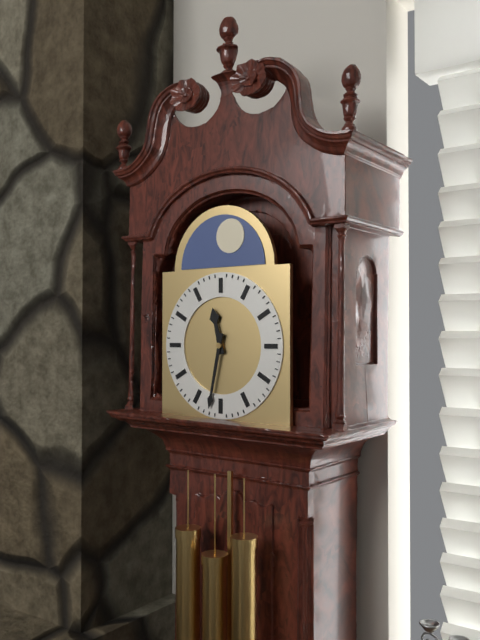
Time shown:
**11:32**
